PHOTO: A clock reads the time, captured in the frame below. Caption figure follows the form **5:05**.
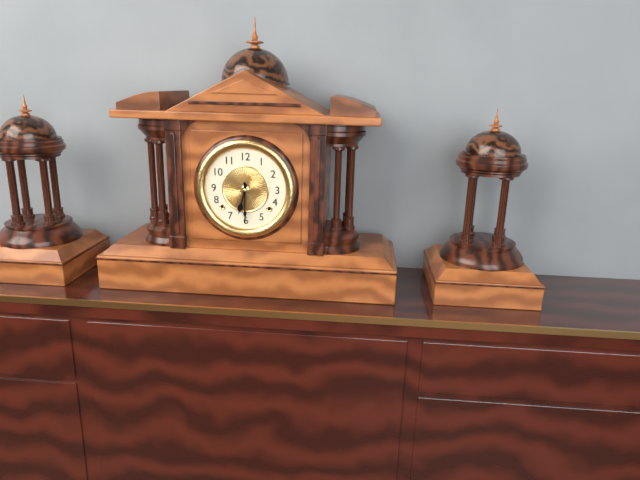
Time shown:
**6:30**
